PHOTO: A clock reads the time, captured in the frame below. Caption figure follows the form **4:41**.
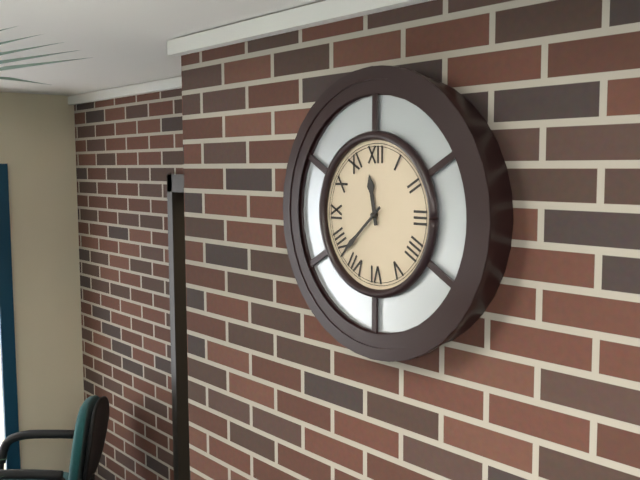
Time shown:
**11:38**
